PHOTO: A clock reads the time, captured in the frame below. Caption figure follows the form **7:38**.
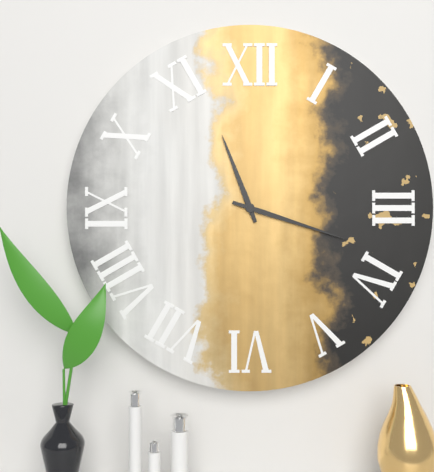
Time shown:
**11:18**
